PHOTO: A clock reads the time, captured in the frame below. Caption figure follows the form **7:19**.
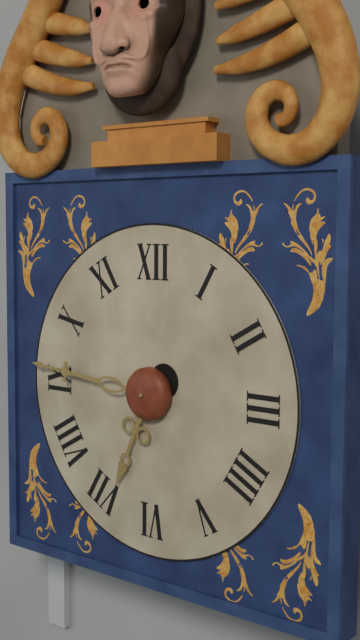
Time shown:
**6:46**
